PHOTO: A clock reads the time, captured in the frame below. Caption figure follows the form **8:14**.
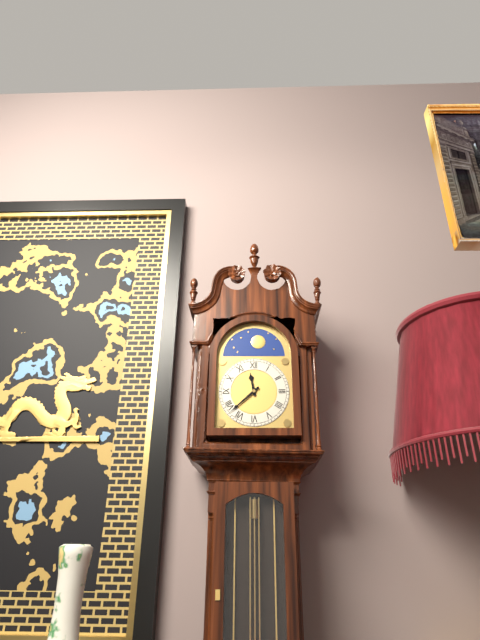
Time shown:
**11:38**
